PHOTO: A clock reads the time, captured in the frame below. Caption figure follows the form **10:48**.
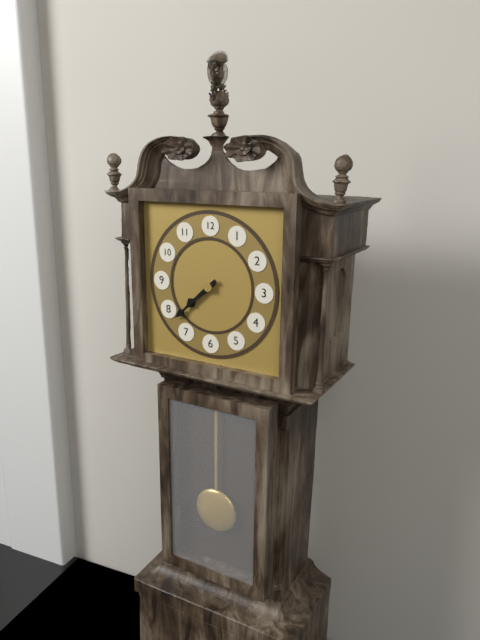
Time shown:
**7:38**
